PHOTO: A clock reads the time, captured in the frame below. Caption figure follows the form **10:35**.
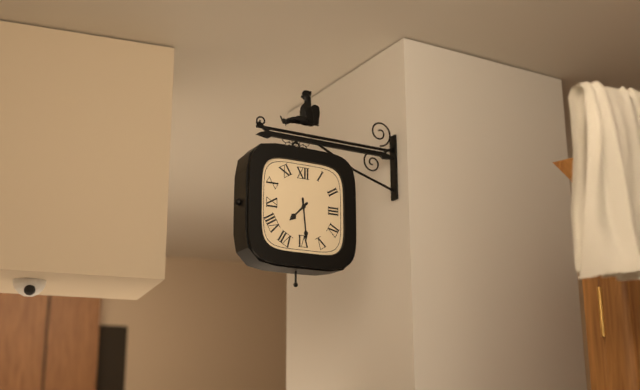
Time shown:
**7:29**
